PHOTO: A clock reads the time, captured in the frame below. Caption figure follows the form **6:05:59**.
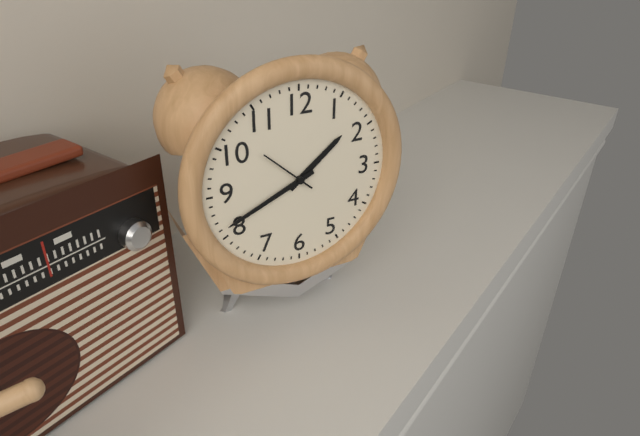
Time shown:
**1:41:52**
